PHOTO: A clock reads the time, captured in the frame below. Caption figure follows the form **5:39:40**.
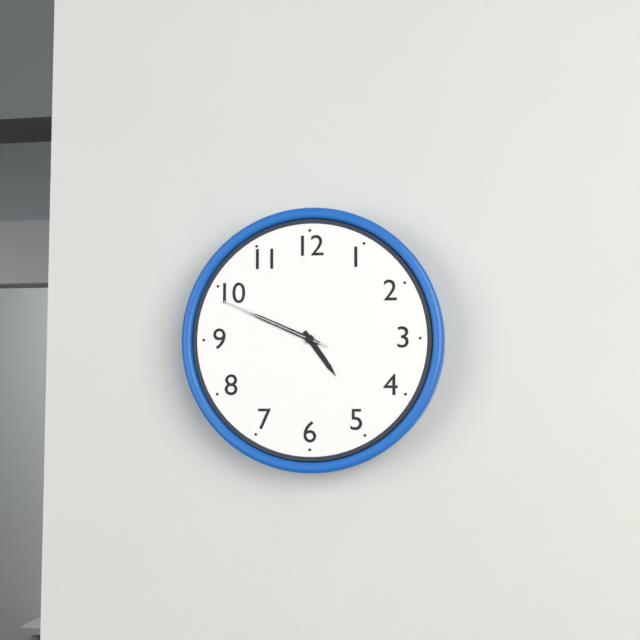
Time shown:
**4:49:49**
